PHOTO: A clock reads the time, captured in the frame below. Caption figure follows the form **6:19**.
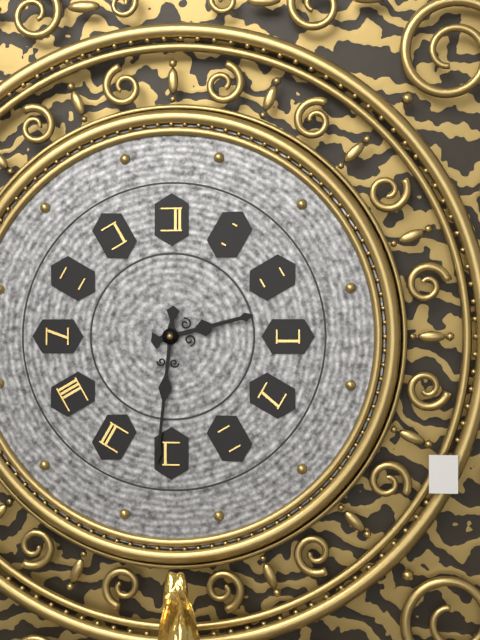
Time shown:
**2:31**
